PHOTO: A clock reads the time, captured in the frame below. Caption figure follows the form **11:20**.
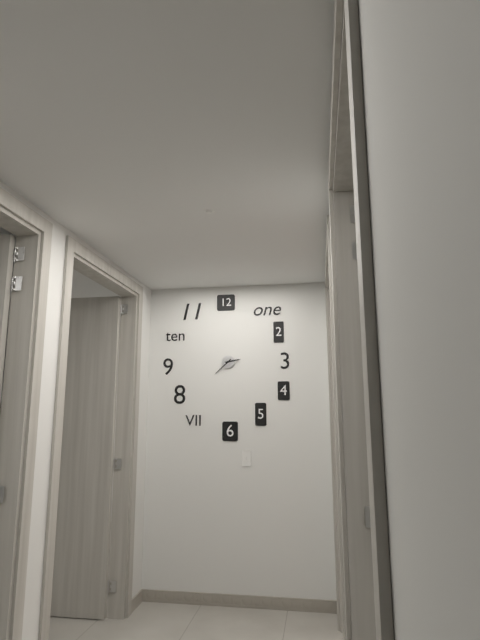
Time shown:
**2:38**
